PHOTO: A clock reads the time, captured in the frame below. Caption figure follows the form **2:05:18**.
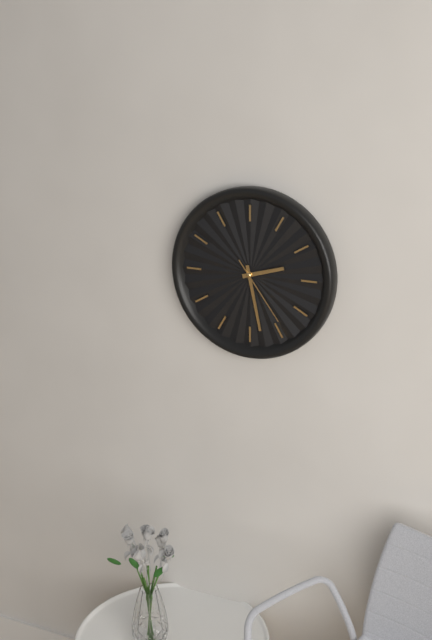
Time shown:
**2:28:24**
